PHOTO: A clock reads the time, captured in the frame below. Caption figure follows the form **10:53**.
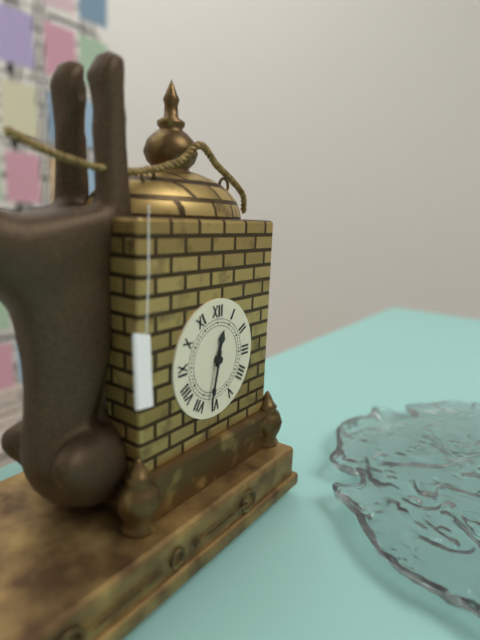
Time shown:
**12:32**
